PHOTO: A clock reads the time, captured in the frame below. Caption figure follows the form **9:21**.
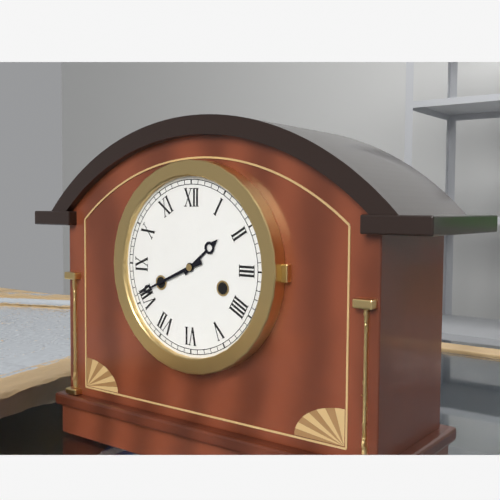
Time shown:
**1:41**
